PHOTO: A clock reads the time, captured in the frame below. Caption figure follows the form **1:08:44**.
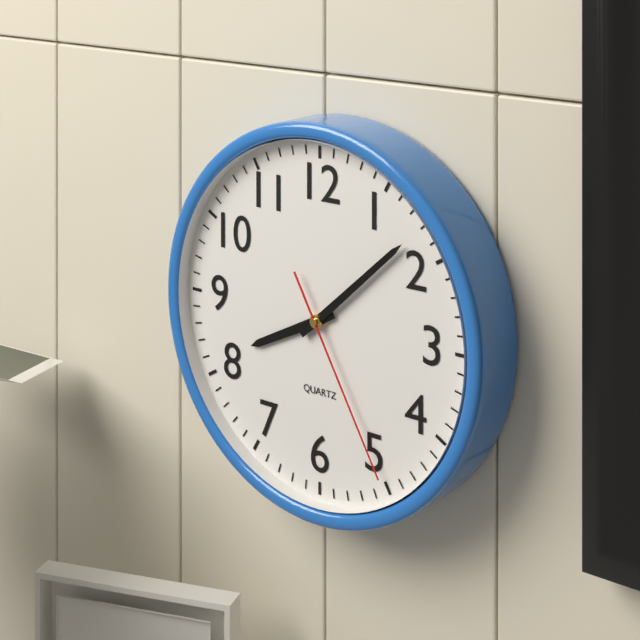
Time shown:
**8:08:25**
